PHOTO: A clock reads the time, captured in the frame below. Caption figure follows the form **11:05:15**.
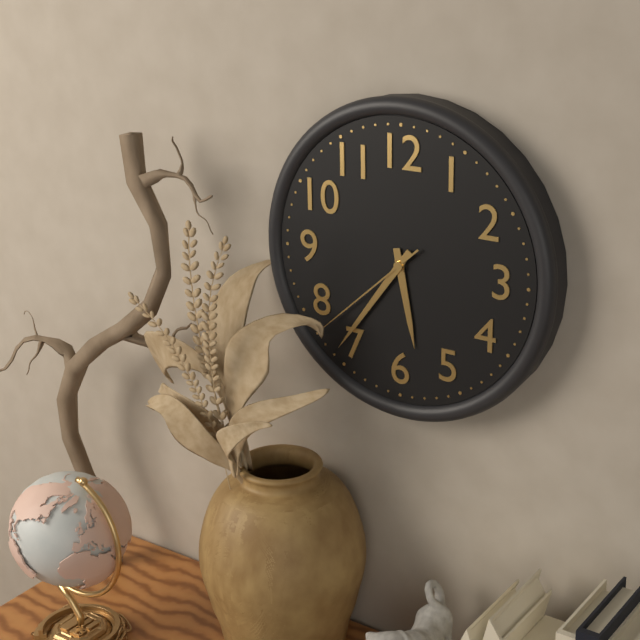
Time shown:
**5:36:38**
